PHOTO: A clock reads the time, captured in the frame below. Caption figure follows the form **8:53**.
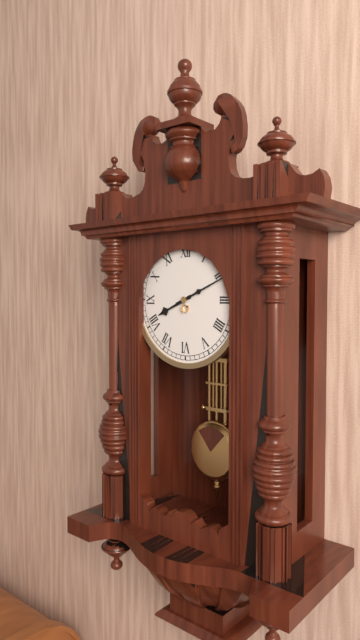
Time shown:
**8:11**
